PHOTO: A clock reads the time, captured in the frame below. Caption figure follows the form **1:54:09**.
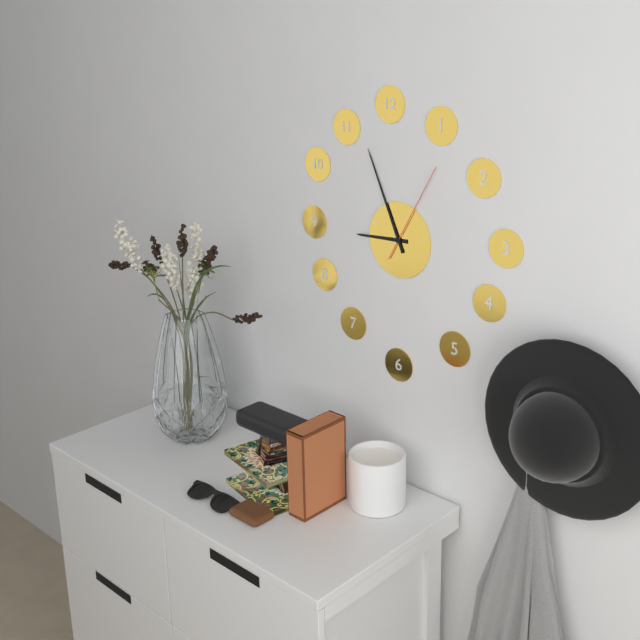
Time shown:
**8:56:05**
